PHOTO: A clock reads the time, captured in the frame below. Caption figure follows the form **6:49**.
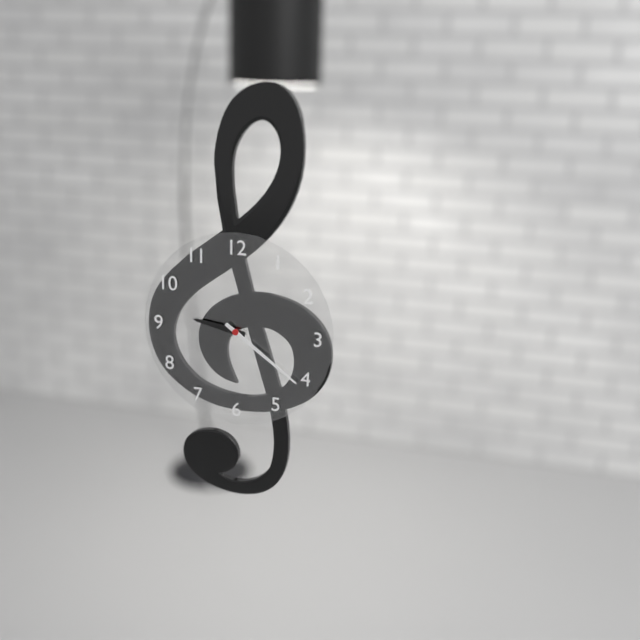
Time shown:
**9:21**
